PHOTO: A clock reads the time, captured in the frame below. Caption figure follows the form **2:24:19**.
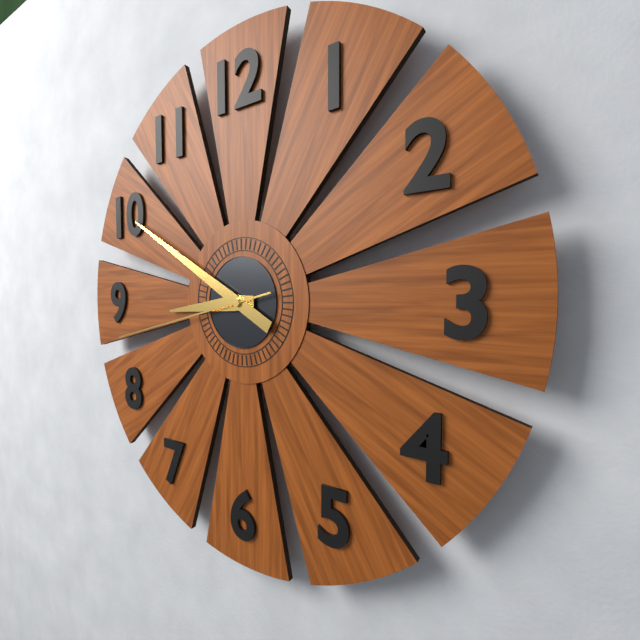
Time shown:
**8:50:43**
